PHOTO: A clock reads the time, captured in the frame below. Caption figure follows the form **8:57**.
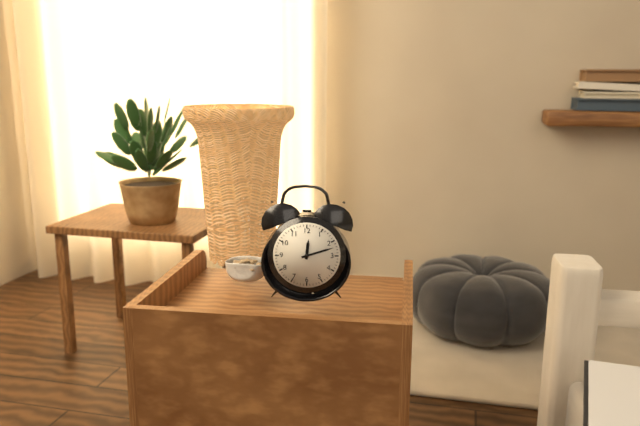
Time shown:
**12:12**
